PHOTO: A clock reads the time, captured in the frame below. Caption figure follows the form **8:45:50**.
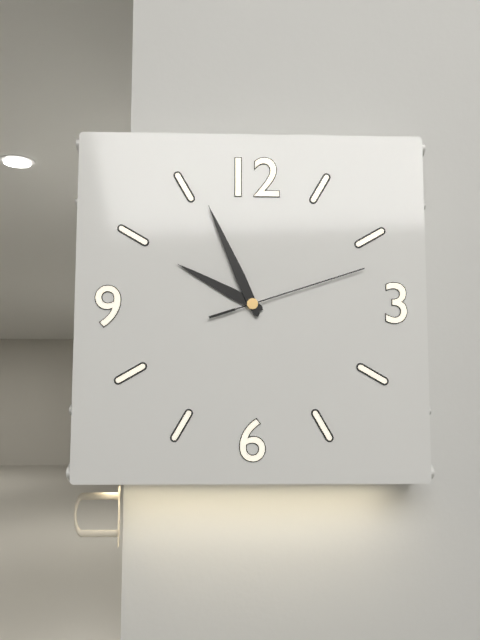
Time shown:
**9:56:12**
